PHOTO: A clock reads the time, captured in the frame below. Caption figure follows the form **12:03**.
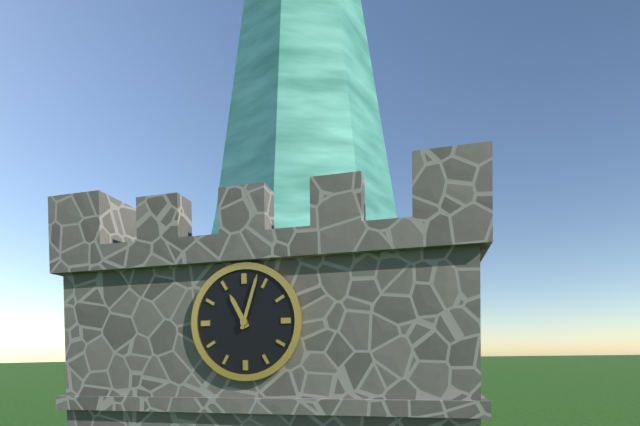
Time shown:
**11:03**
